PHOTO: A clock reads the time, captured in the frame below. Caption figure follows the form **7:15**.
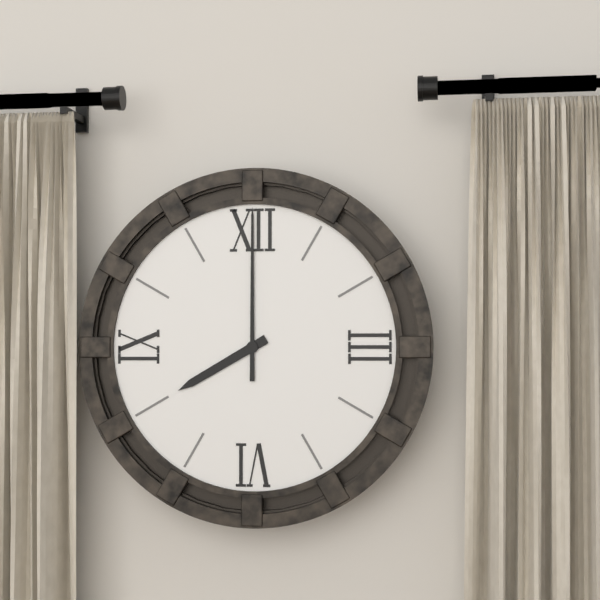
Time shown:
**8:00**
